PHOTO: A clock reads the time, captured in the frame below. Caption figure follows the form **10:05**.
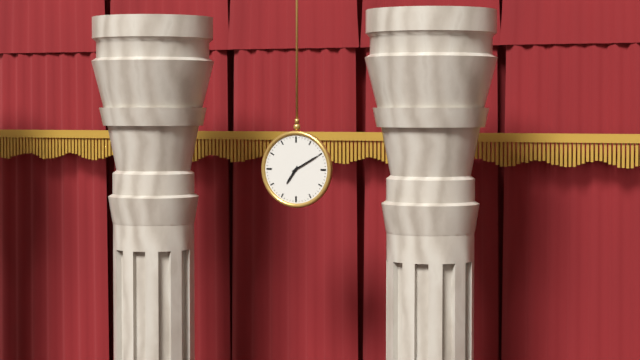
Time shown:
**7:10**
